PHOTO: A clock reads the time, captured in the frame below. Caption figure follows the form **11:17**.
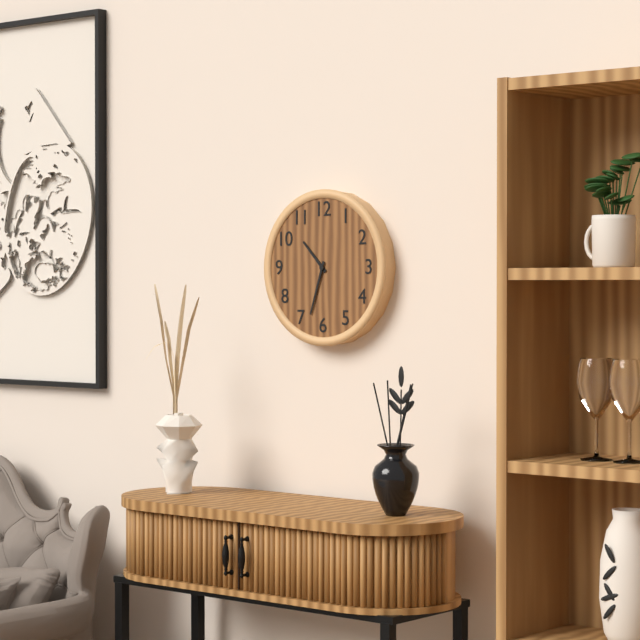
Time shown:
**10:33**
